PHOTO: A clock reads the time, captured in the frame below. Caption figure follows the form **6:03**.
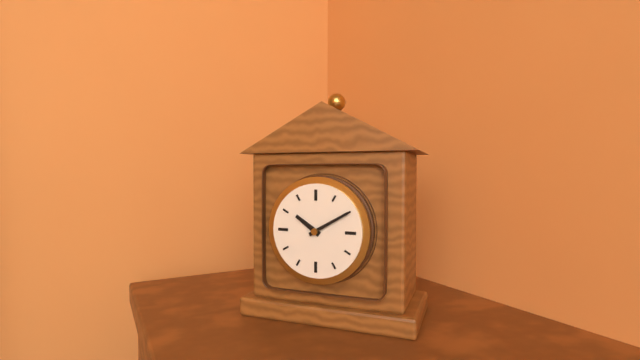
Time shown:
**10:10**
